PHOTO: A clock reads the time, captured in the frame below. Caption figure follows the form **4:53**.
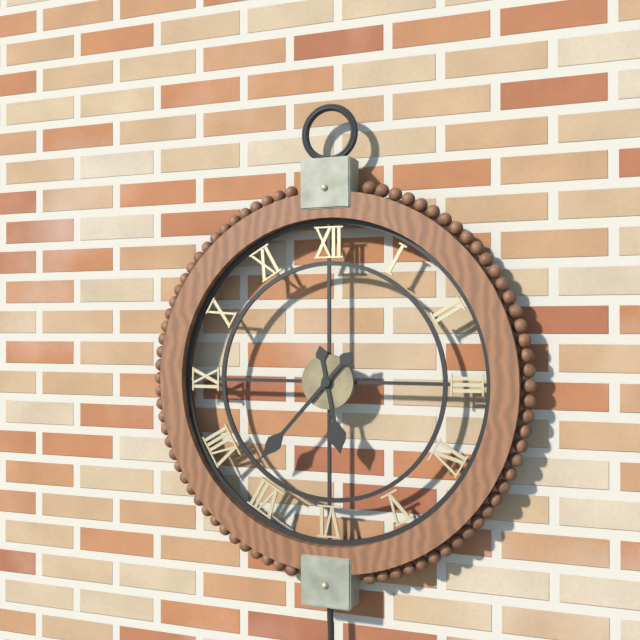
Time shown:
**5:37**
